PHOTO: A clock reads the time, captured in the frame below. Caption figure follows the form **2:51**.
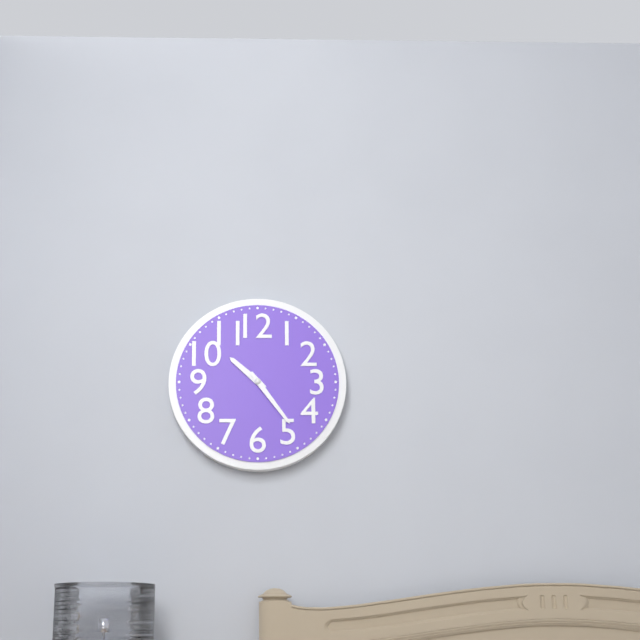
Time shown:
**10:24**
